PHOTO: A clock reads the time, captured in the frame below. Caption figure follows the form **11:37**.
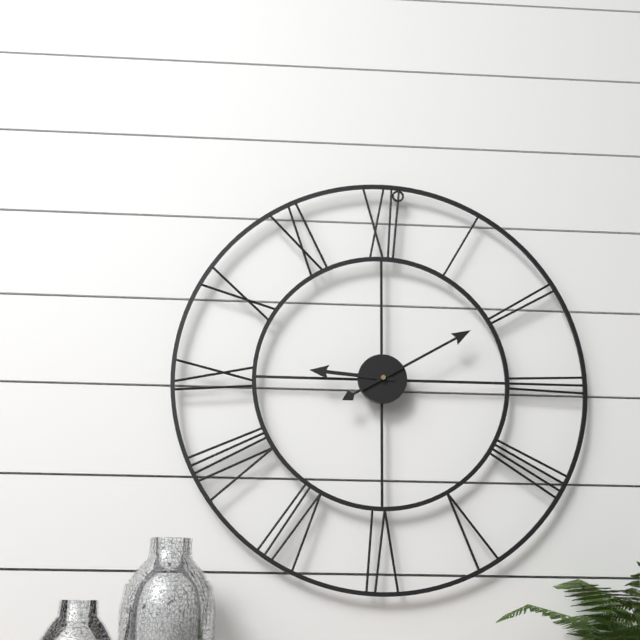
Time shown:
**9:10**
